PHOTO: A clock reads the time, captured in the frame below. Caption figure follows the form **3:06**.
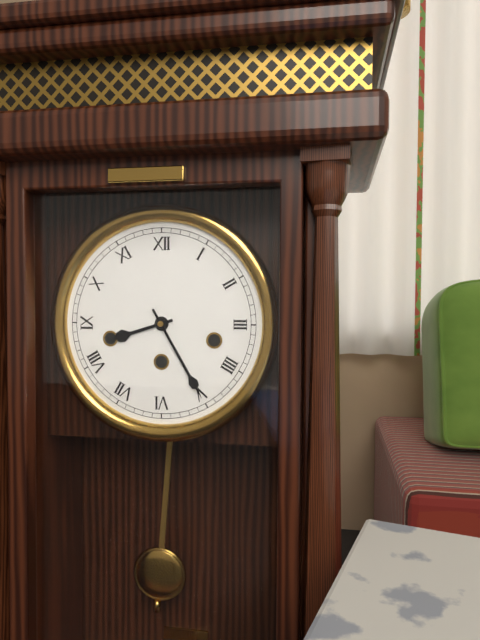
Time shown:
**8:25**
